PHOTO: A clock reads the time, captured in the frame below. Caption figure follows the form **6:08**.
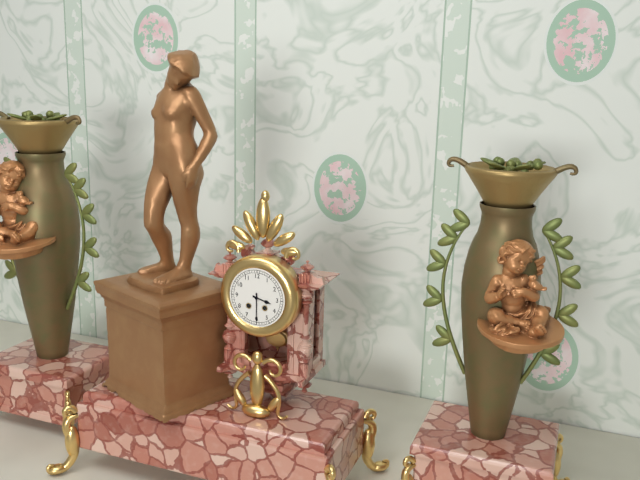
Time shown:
**3:30**
